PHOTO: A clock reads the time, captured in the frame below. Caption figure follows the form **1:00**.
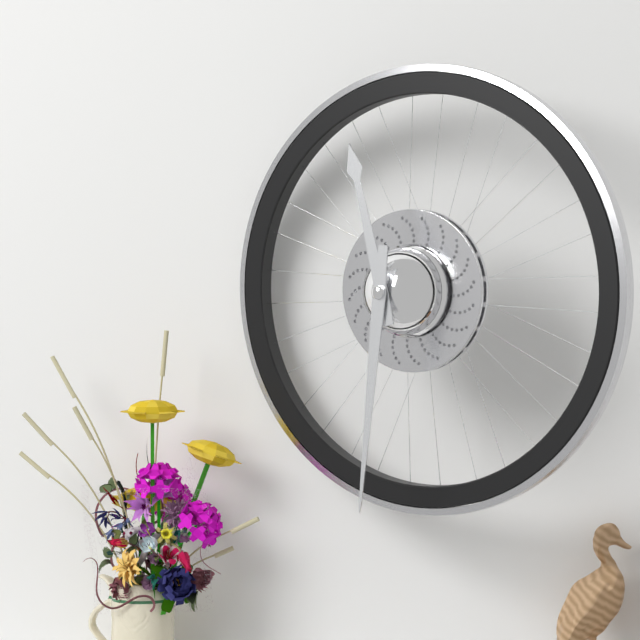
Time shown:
**11:31**
